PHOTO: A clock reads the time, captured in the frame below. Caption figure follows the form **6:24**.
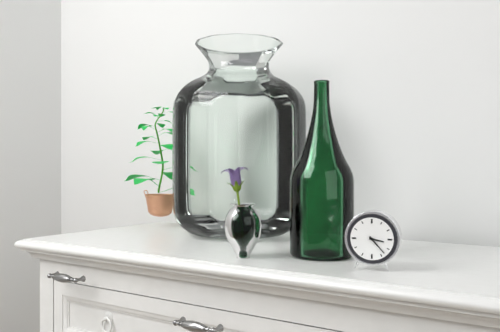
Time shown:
**3:23**
